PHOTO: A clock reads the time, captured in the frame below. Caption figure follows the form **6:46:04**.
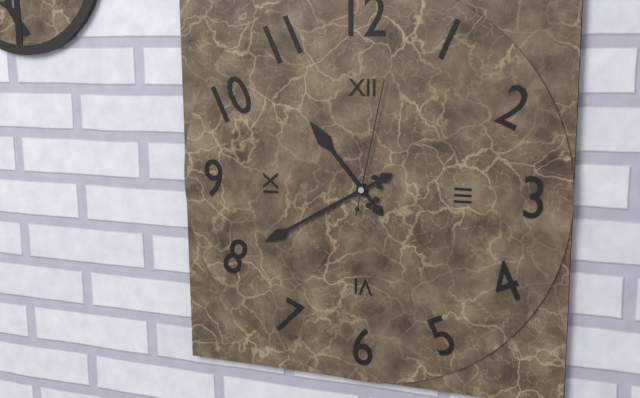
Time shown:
**10:40:02**
